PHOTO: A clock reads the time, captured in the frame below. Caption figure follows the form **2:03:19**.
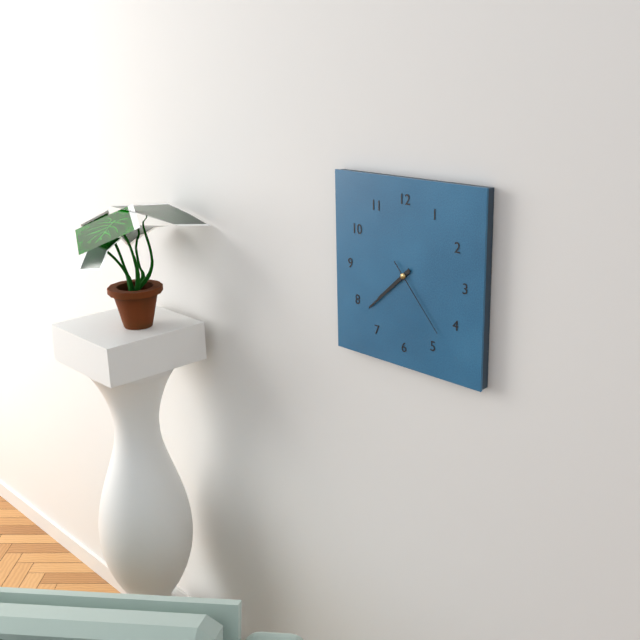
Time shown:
**7:38:23**
